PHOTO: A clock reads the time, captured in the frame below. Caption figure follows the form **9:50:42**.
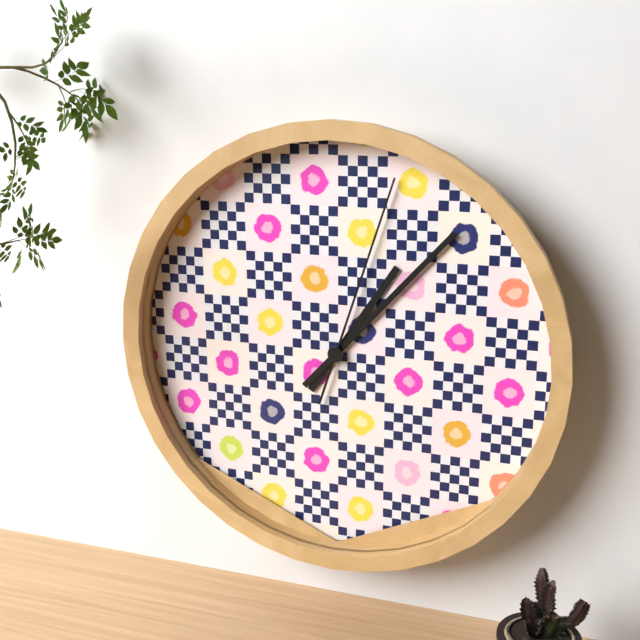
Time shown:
**1:07:03**
